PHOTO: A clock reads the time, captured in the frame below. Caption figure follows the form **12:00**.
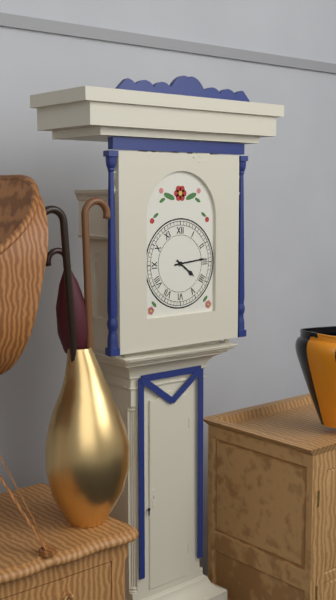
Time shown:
**4:14**
